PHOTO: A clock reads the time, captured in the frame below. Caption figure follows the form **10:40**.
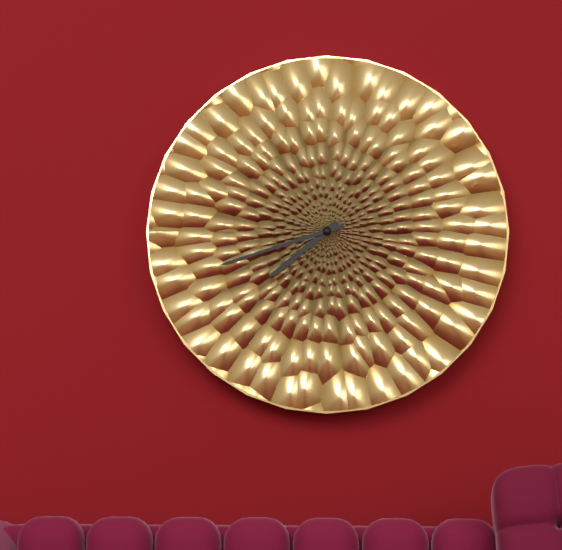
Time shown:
**7:42**
